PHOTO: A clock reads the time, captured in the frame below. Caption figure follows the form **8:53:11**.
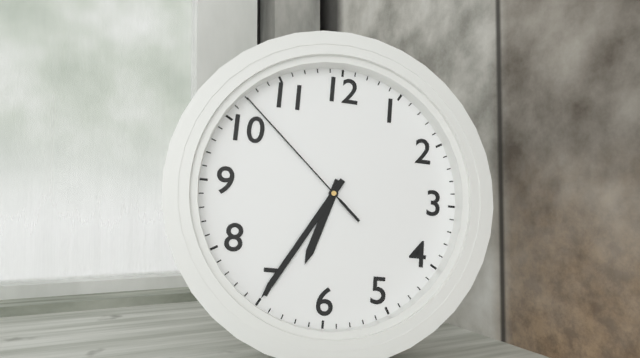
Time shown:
**6:35:52**
